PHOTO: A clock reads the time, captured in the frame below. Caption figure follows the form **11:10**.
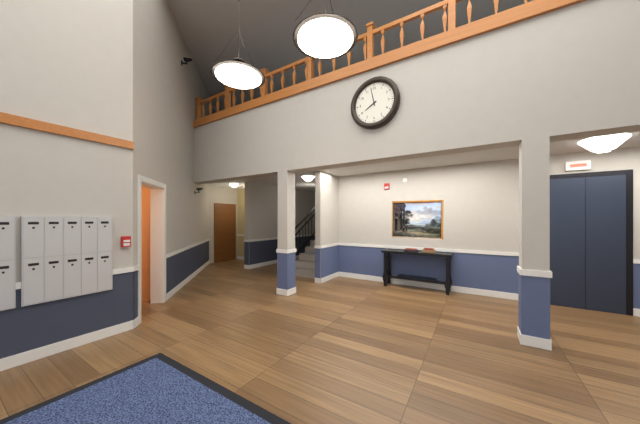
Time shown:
**7:58**
